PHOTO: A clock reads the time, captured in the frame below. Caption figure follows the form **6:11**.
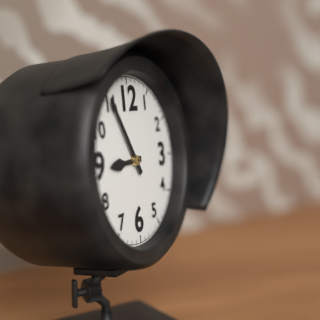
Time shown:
**8:55**
